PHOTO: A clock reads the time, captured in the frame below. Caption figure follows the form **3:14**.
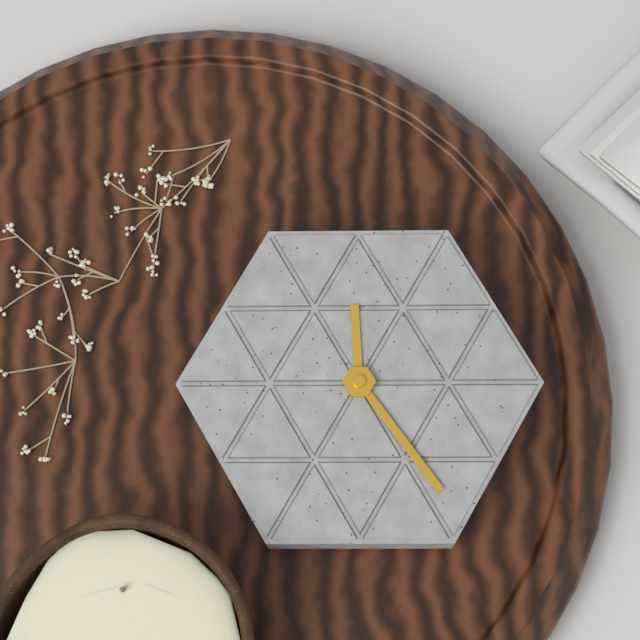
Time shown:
**5:54**
